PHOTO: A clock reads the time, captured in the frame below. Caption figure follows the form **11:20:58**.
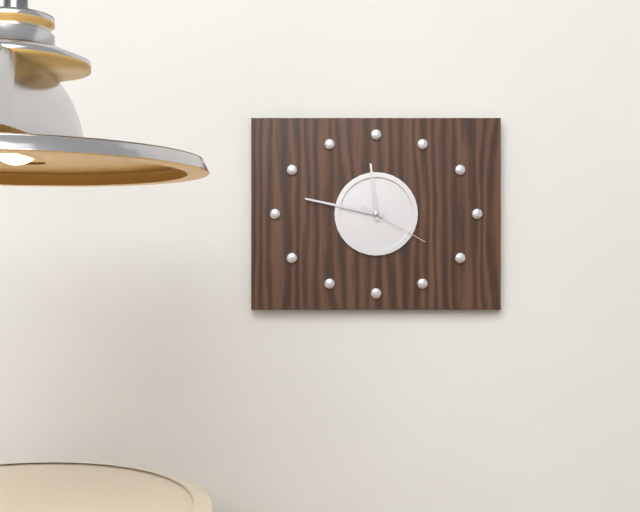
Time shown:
**11:47:20**
